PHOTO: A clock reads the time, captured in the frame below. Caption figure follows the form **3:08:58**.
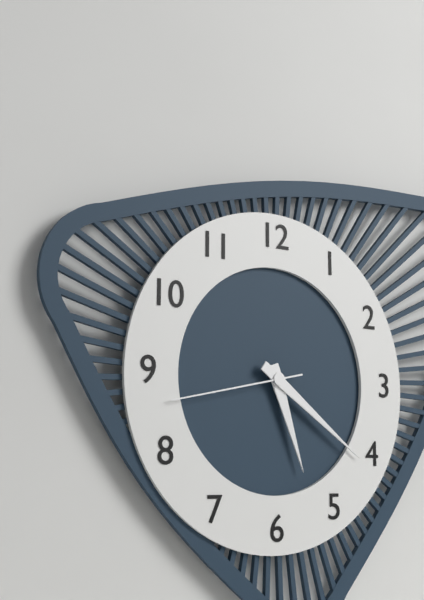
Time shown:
**5:21:43**
